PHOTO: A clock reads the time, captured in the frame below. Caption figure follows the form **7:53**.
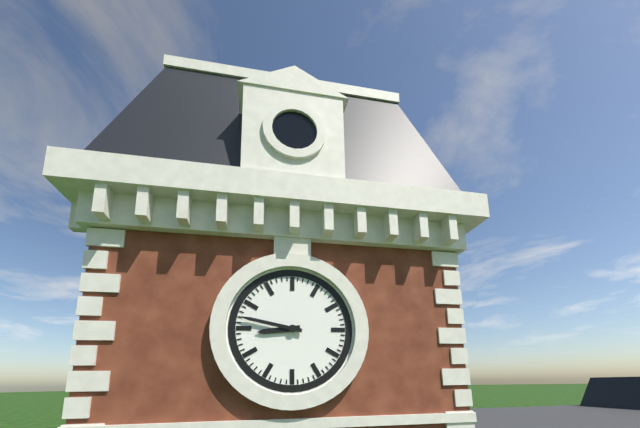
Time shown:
**8:47**
